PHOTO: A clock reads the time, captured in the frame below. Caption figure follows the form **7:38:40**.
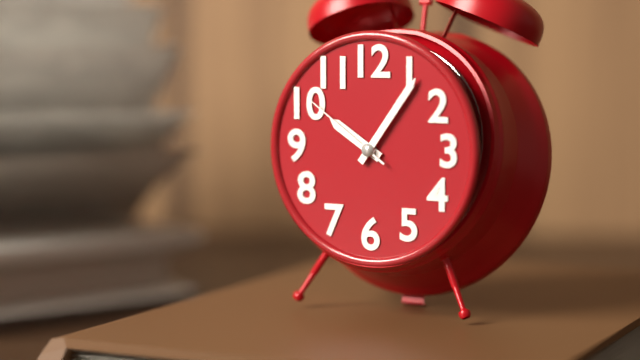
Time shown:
**10:06:51**
